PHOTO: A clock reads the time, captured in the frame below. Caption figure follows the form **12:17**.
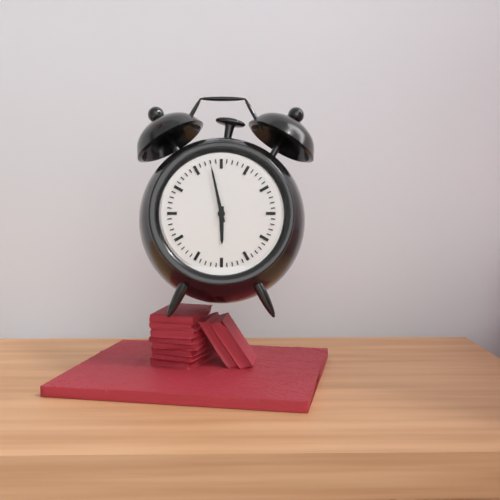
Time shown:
**5:58**
